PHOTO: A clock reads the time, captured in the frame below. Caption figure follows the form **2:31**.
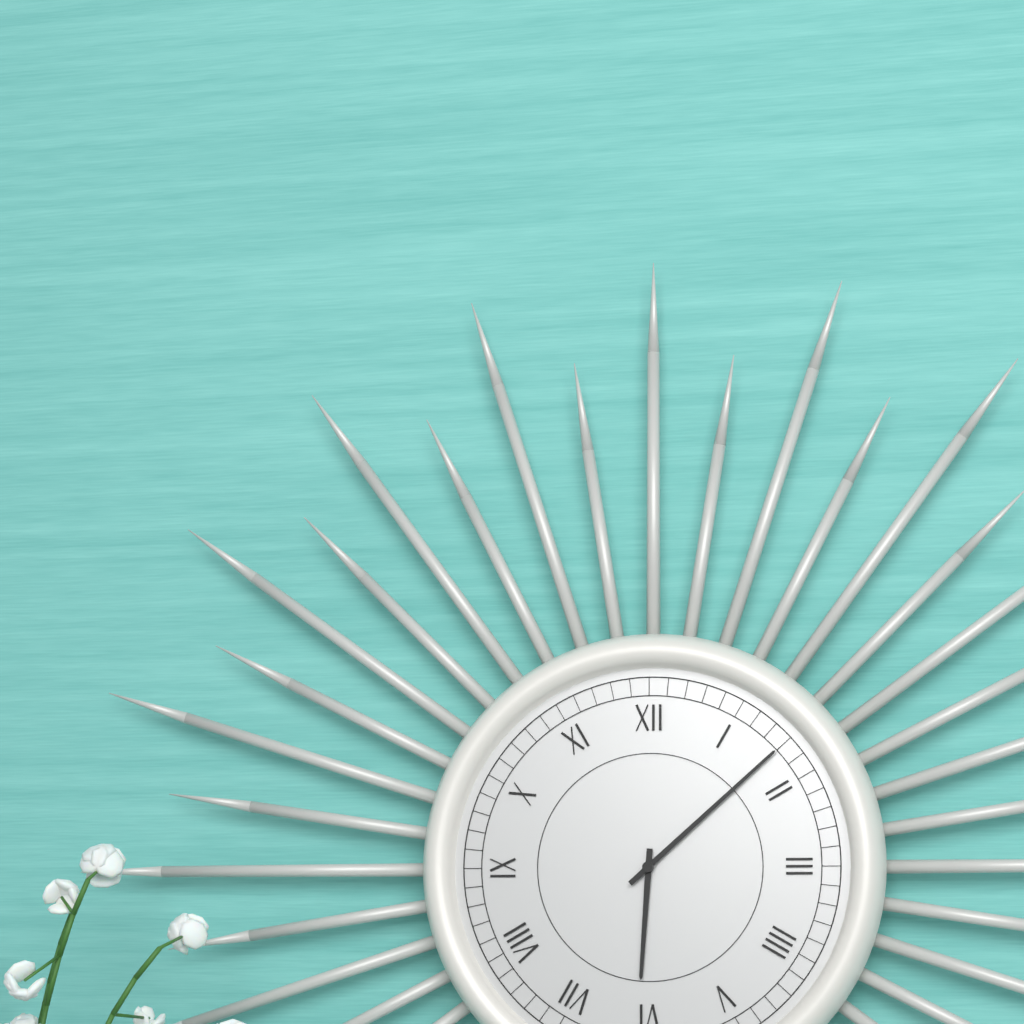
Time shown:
**6:08**
